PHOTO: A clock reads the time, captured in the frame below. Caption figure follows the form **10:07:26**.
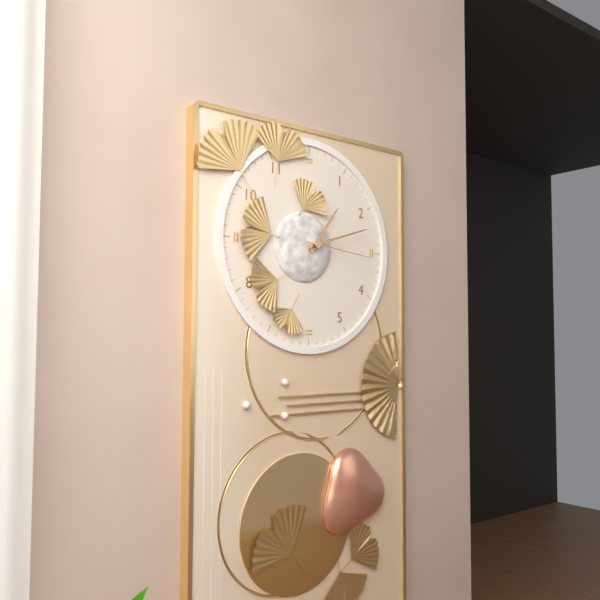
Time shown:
**1:12:16**
